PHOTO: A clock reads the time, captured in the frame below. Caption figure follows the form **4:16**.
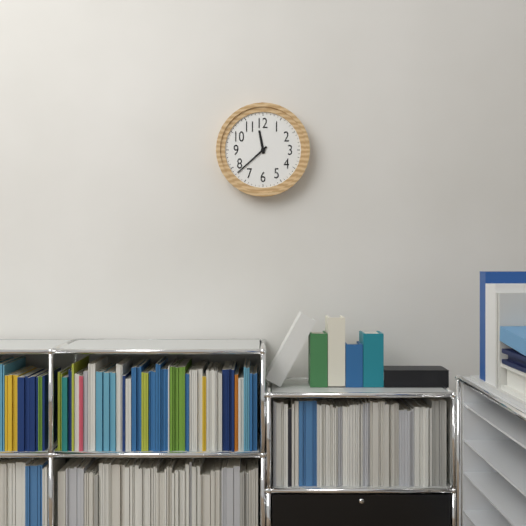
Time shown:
**11:38**
